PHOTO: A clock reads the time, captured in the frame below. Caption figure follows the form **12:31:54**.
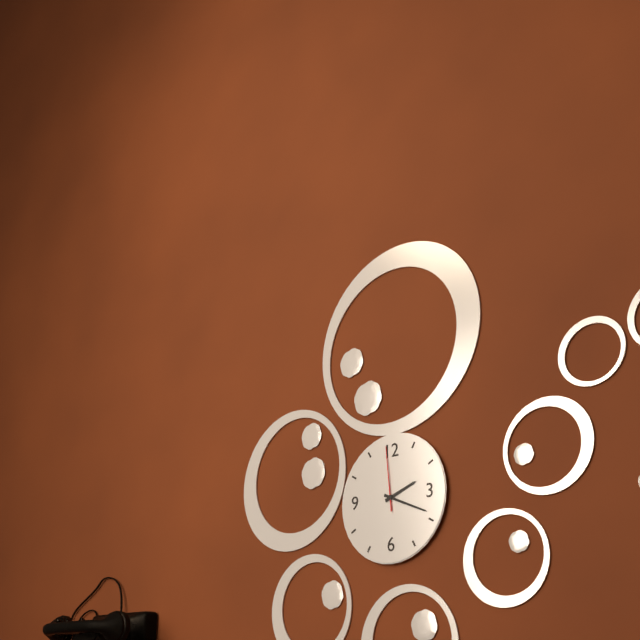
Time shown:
**2:19:59**
